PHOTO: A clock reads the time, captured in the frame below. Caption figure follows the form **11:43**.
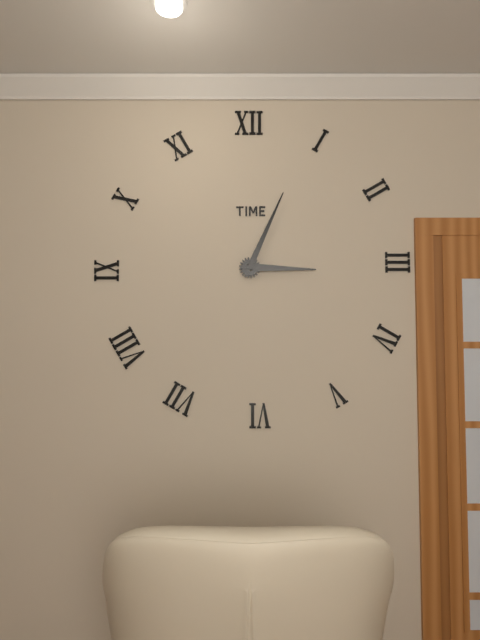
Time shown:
**3:04**
